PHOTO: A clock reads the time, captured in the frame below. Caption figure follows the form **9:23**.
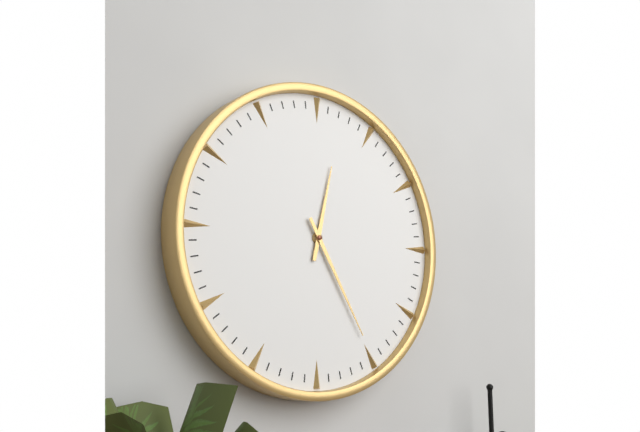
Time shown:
**12:25**
